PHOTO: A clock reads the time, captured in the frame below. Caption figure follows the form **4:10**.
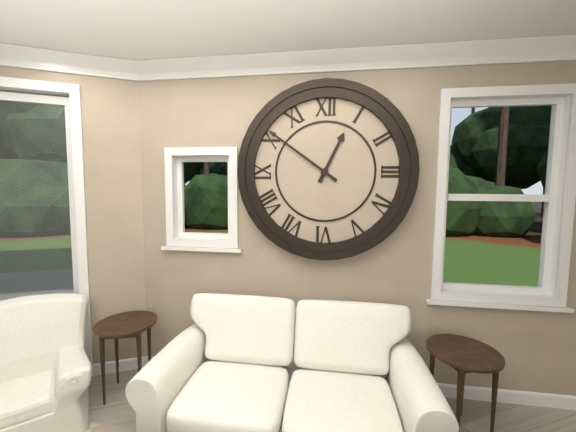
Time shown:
**12:51**
